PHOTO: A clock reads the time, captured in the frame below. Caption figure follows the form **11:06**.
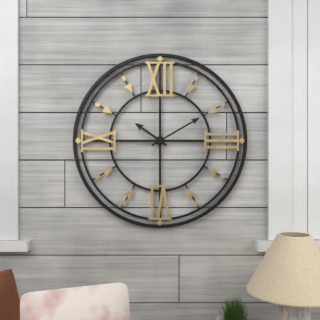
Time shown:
**10:10**
